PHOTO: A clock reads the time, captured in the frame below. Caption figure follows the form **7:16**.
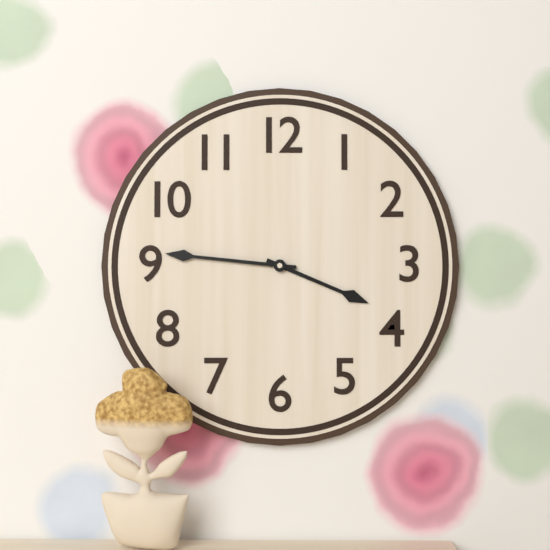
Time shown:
**3:46**
